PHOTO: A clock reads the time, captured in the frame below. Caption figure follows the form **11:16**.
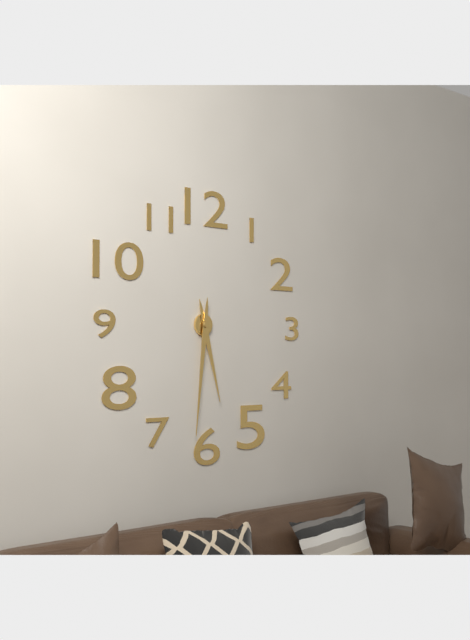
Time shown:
**5:31**
